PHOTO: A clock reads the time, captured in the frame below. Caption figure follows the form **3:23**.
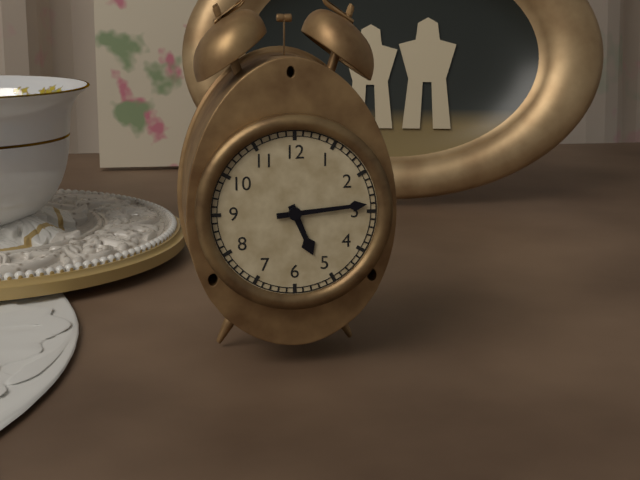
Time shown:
**5:14**
